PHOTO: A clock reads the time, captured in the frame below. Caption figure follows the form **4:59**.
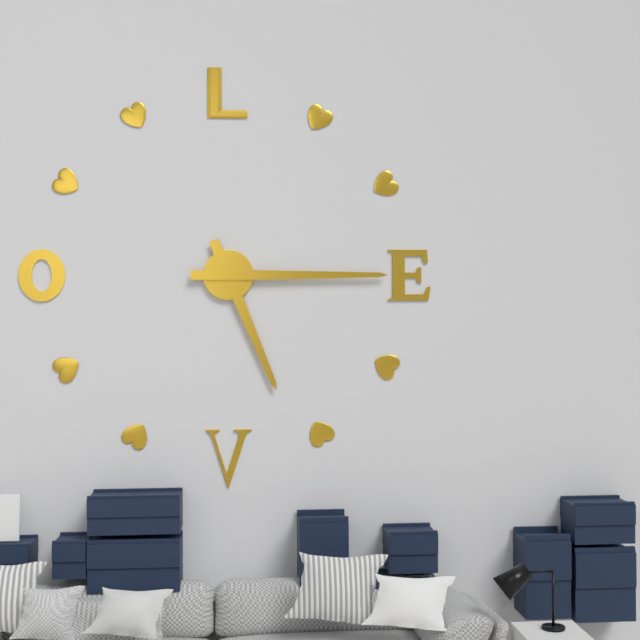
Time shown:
**5:15**
